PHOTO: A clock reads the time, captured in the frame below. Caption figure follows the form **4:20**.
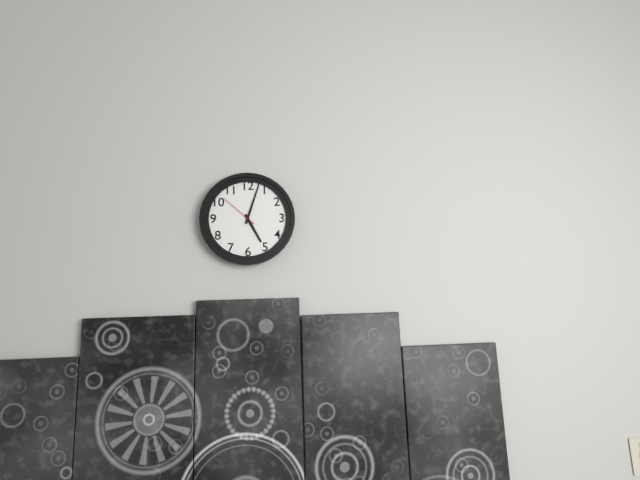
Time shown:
**5:03**
